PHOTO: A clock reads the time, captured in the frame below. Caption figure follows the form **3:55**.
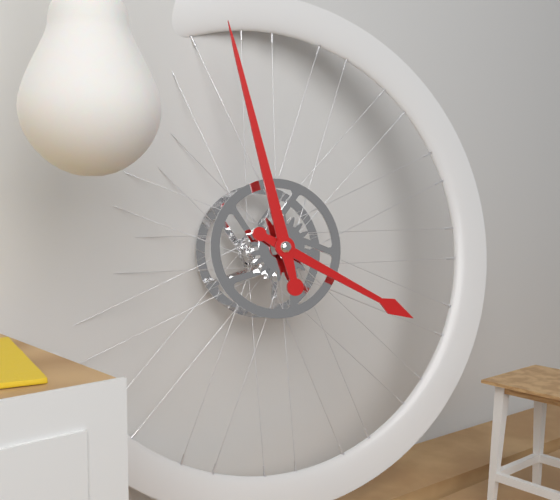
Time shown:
**3:58**
